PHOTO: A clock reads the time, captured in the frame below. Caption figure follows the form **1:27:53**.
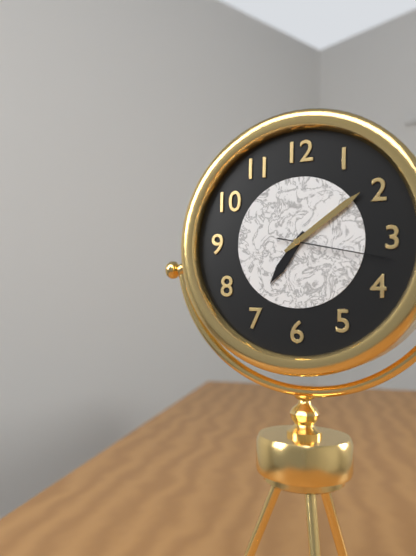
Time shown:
**7:09:17**
